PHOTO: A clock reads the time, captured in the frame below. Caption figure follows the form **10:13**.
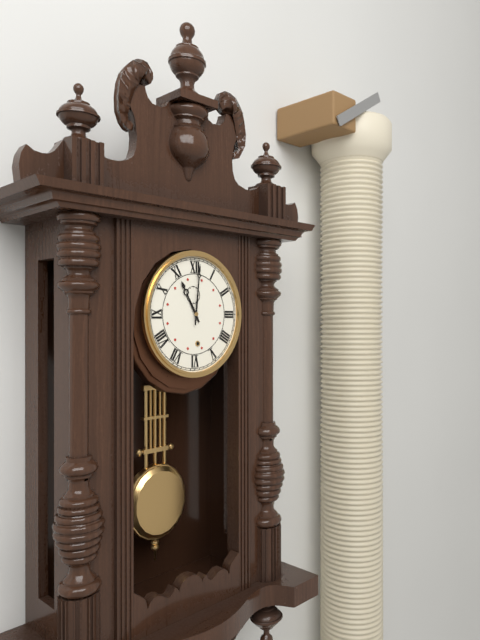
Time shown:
**11:01**
